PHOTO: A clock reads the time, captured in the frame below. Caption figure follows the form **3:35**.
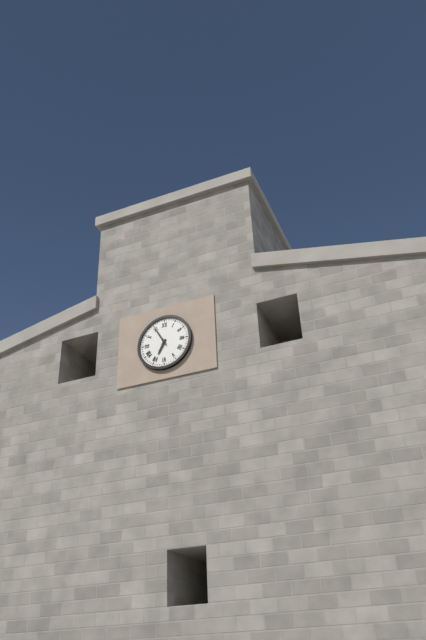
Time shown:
**6:55**
